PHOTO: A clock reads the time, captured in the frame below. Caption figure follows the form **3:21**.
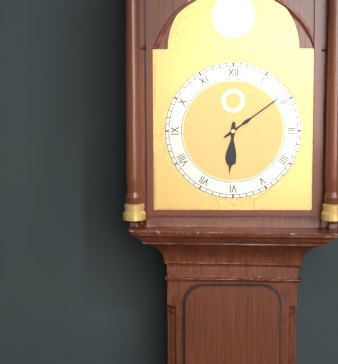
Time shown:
**6:09**
